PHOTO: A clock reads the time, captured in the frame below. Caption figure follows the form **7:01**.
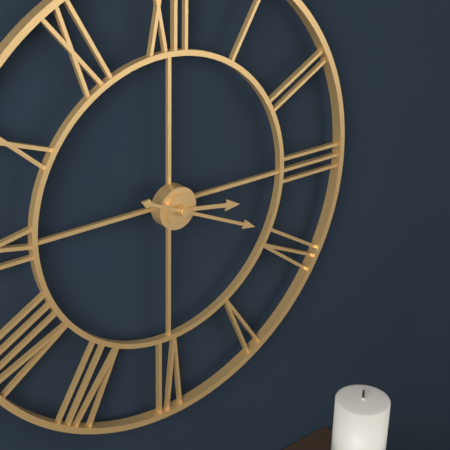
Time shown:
**3:19**
